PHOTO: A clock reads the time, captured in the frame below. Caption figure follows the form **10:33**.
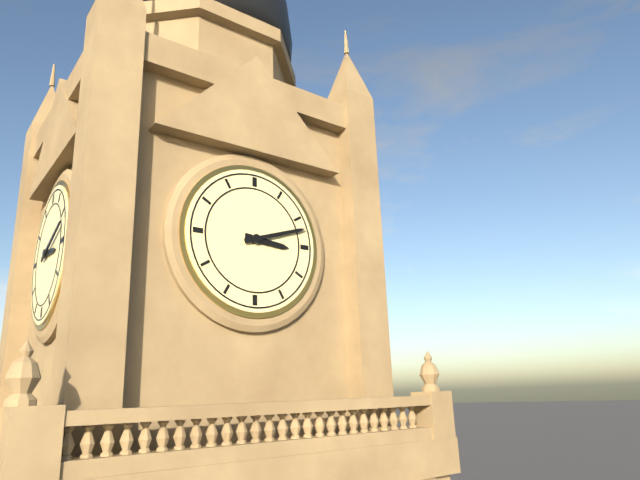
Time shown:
**3:12**
